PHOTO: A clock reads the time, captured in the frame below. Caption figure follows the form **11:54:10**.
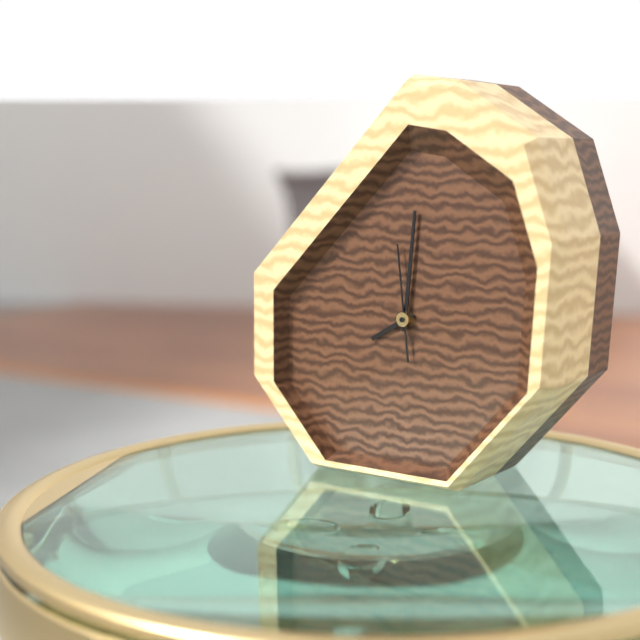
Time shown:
**8:01:59**
